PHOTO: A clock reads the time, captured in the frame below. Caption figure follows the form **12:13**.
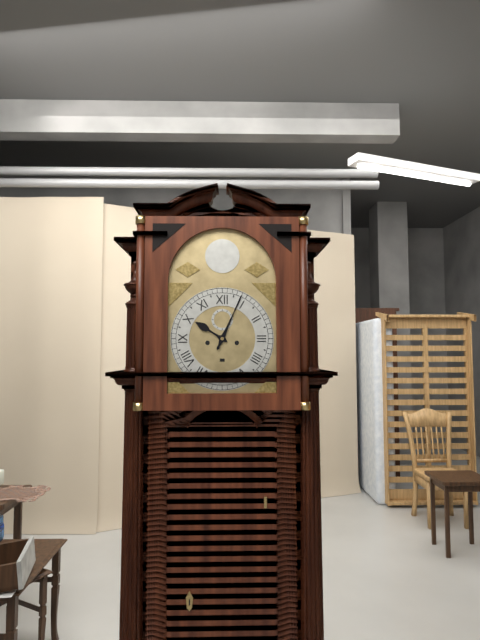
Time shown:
**10:04**
